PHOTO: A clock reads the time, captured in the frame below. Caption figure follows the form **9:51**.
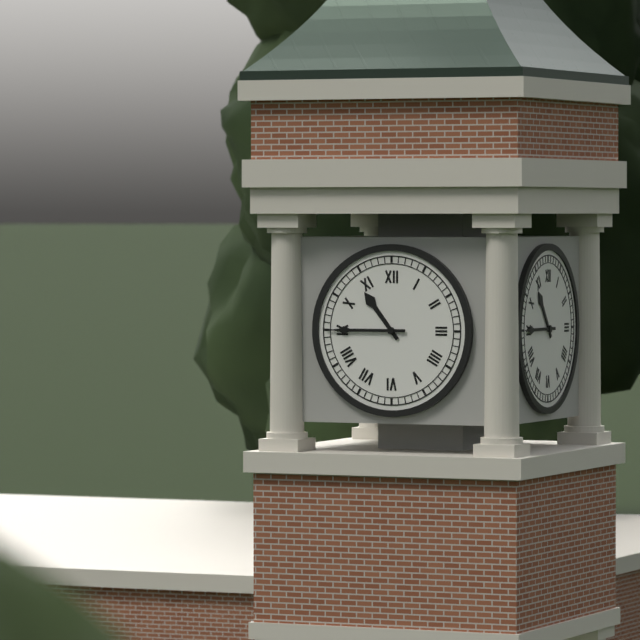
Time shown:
**10:45**
